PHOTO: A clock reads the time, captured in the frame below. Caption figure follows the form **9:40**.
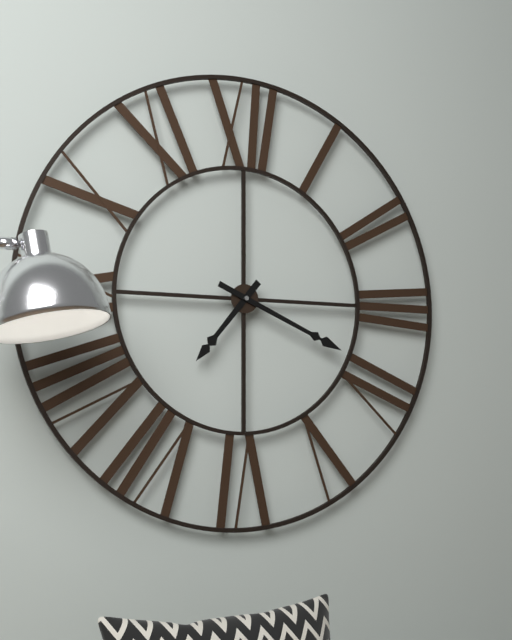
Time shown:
**7:19**
